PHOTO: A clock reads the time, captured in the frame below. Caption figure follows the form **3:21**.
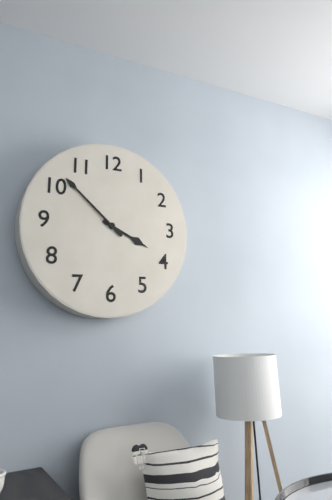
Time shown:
**3:52**
